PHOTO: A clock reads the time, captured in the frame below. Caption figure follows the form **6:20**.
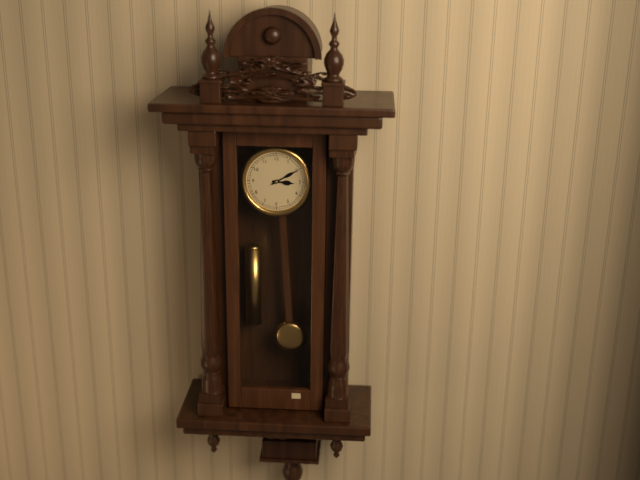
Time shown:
**3:10**
